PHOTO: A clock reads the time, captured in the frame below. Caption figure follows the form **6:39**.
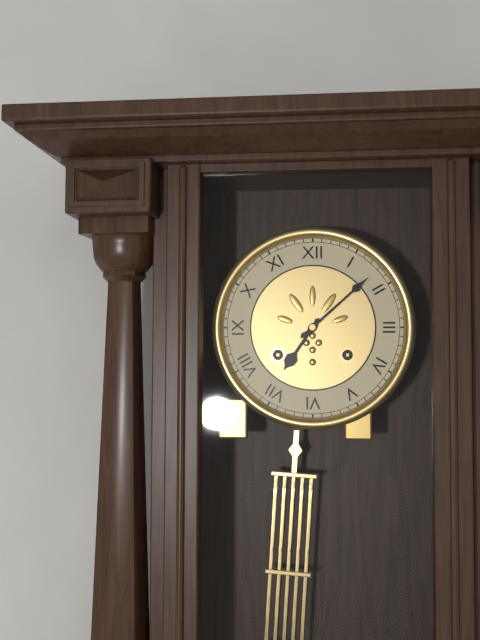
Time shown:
**7:08**
